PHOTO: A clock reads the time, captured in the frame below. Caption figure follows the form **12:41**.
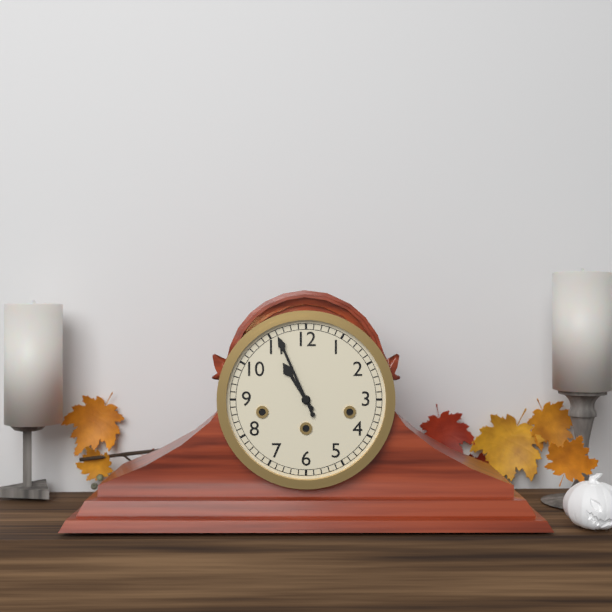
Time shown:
**10:56**
